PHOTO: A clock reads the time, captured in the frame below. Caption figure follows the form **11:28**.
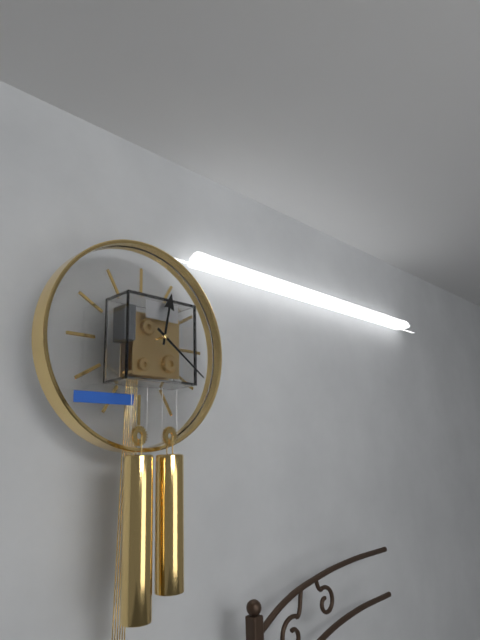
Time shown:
**12:21**
